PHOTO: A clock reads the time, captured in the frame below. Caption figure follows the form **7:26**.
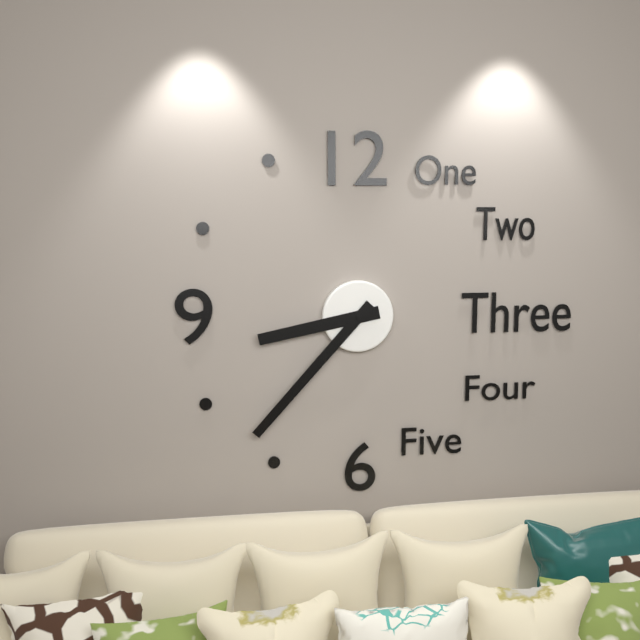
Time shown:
**8:37**
